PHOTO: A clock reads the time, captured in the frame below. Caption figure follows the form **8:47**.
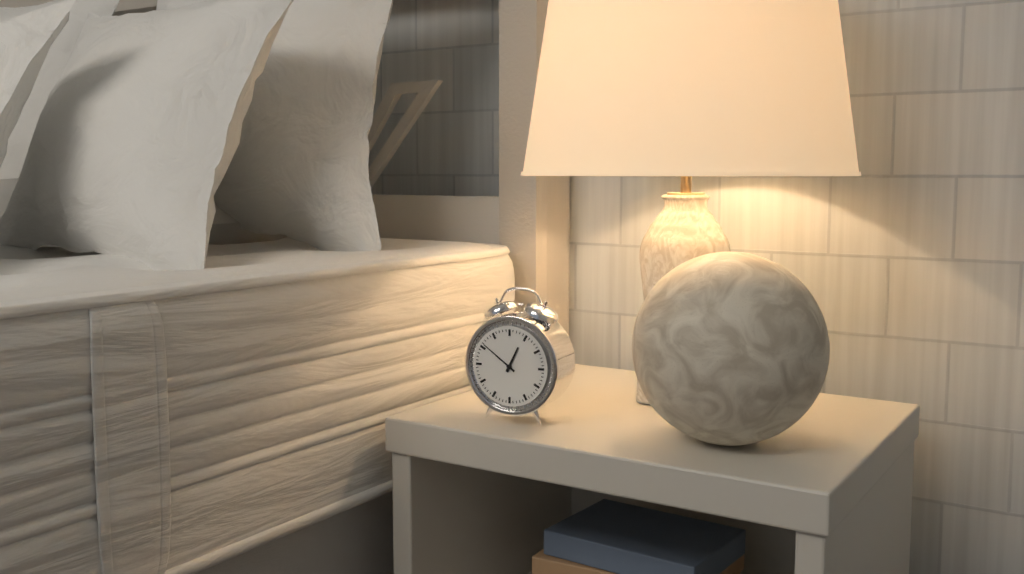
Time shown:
**12:51**
